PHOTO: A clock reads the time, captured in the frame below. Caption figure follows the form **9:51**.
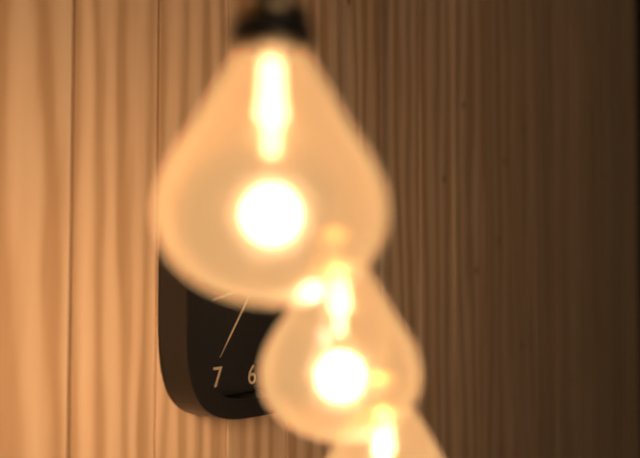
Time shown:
**8:36**
